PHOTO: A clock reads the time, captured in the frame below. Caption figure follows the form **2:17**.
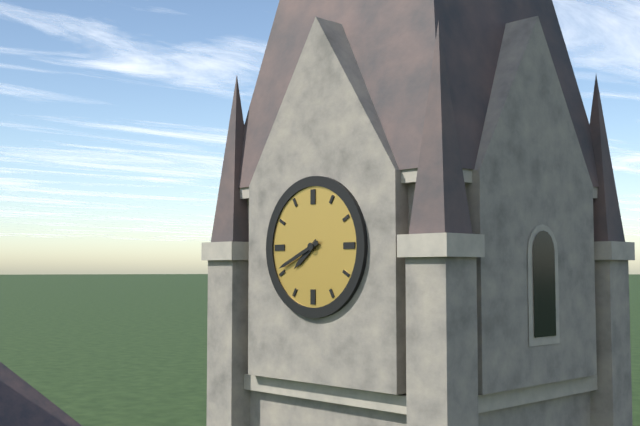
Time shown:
**7:41**
